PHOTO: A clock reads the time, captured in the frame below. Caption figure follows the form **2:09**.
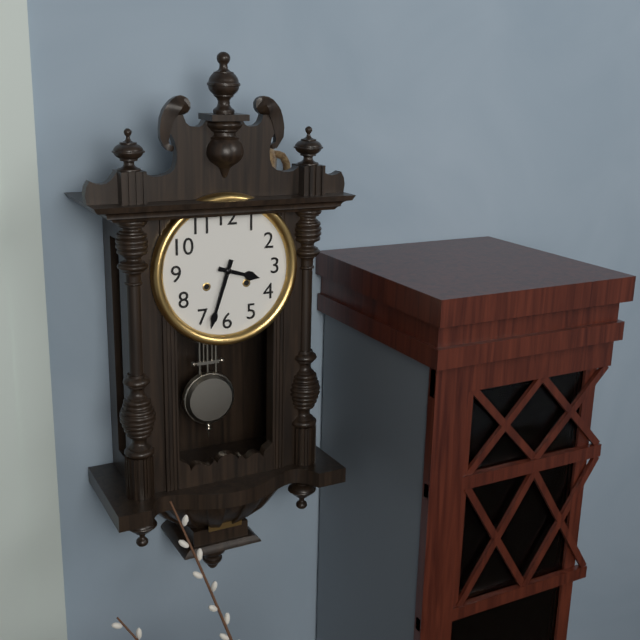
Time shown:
**3:33**
